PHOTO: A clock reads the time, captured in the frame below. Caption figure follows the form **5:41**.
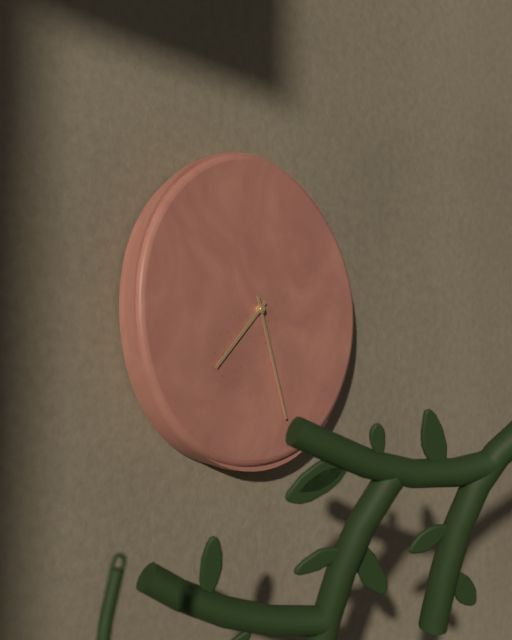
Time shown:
**7:27**
